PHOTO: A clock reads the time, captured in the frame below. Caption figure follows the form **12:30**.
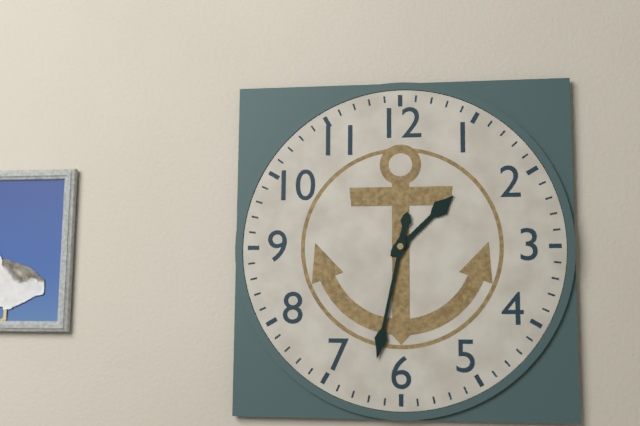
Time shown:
**1:32**
